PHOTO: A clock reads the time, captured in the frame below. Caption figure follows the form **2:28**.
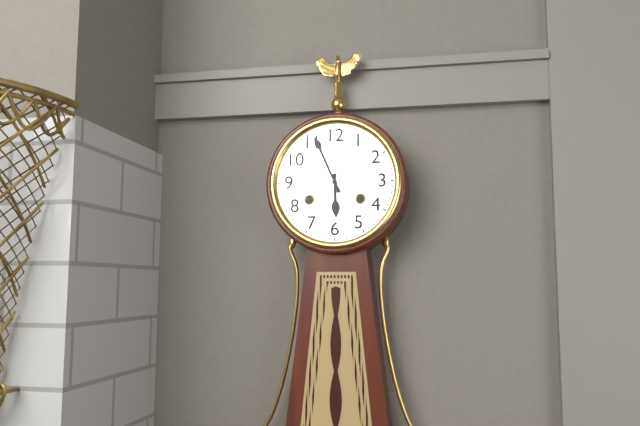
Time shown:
**5:56**
